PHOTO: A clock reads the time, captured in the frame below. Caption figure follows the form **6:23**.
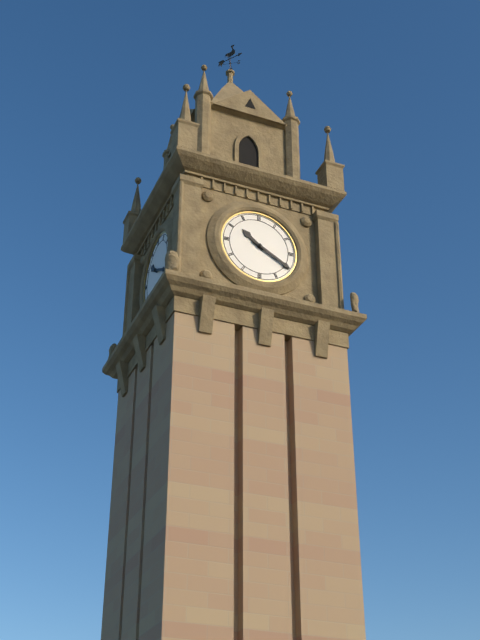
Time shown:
**10:20**
